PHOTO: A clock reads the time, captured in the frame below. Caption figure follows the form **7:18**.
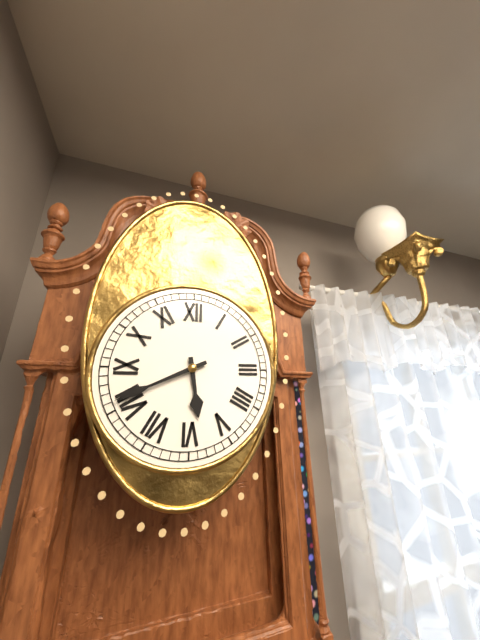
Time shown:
**5:41**
